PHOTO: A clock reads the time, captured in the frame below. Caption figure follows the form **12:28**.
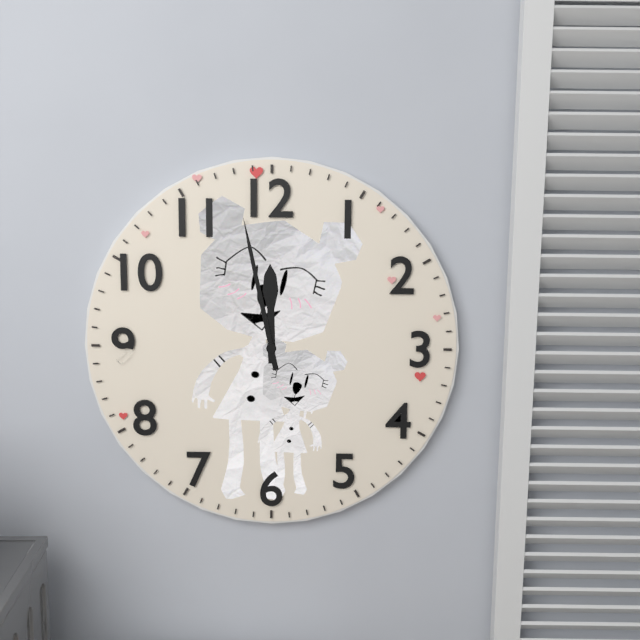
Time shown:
**11:58**
